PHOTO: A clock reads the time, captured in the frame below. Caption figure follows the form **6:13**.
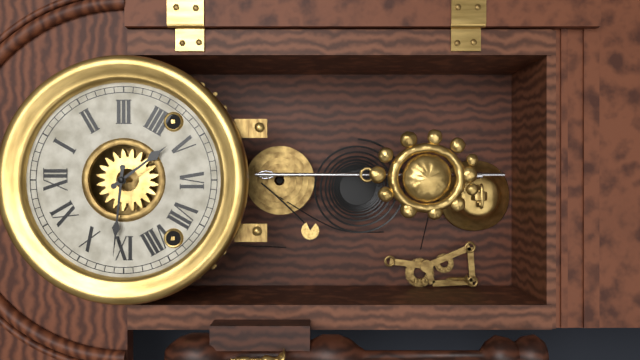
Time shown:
**4:46**
